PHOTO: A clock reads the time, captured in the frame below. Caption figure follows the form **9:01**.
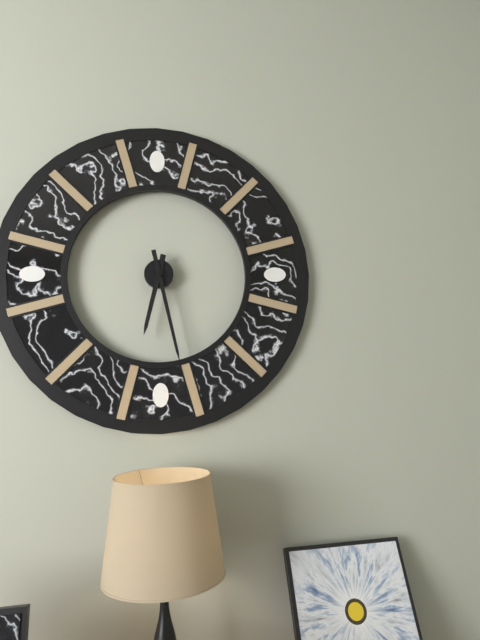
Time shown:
**6:28**
